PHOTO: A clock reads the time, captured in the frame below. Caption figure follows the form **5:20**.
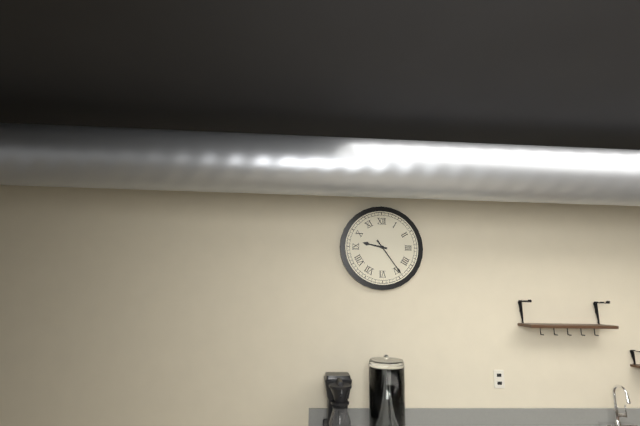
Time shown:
**9:24**
